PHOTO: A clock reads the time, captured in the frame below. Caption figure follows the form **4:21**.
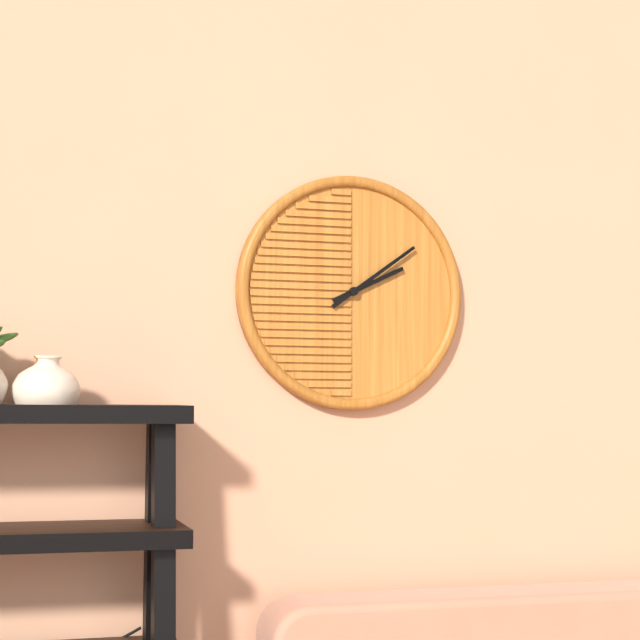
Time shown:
**2:09**
